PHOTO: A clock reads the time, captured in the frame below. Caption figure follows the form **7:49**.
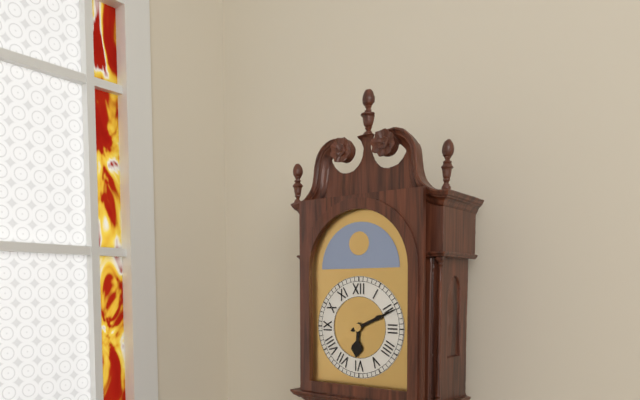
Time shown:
**6:11**
